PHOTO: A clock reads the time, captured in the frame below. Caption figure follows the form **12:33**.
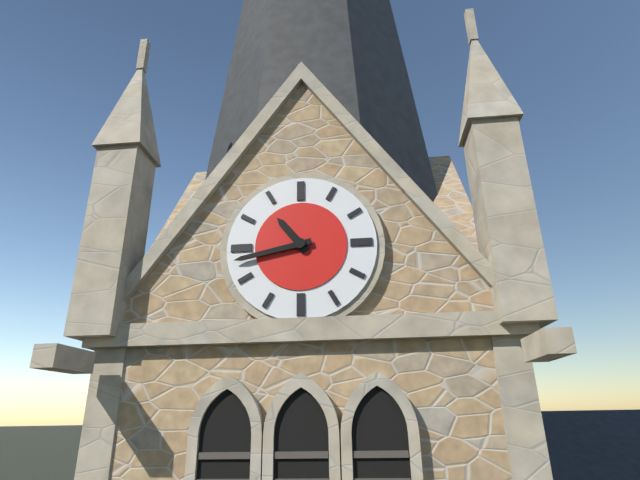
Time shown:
**10:43**
